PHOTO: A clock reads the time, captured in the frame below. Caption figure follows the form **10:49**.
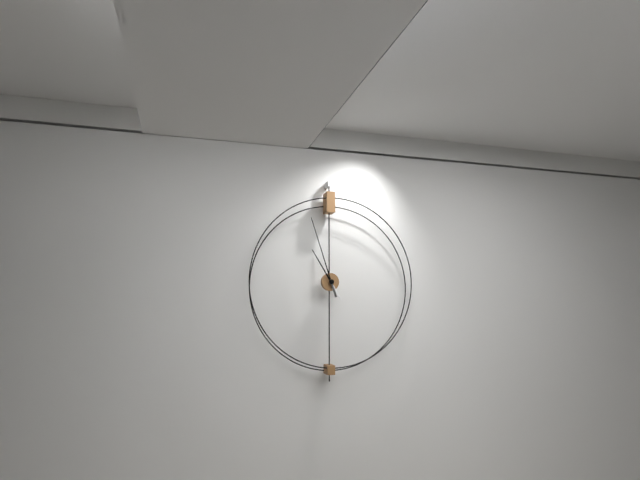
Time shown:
**10:57**
